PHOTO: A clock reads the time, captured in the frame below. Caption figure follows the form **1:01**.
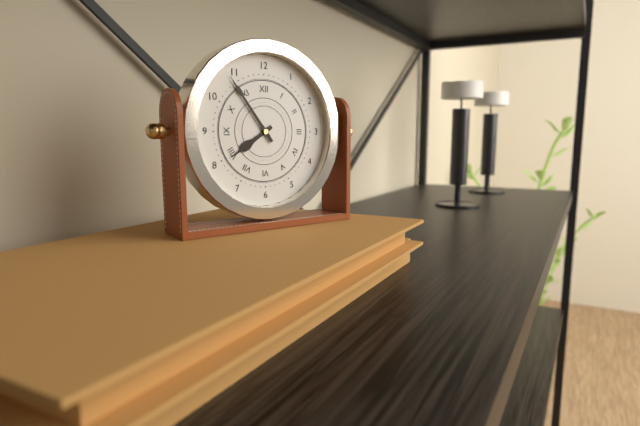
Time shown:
**7:54**
